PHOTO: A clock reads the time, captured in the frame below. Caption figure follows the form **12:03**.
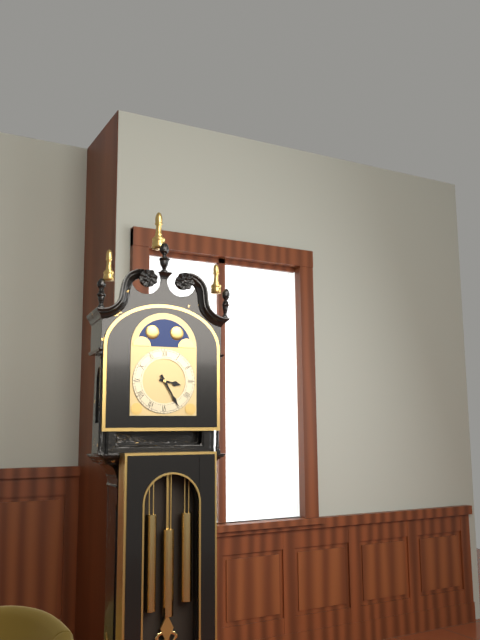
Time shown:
**3:25**
